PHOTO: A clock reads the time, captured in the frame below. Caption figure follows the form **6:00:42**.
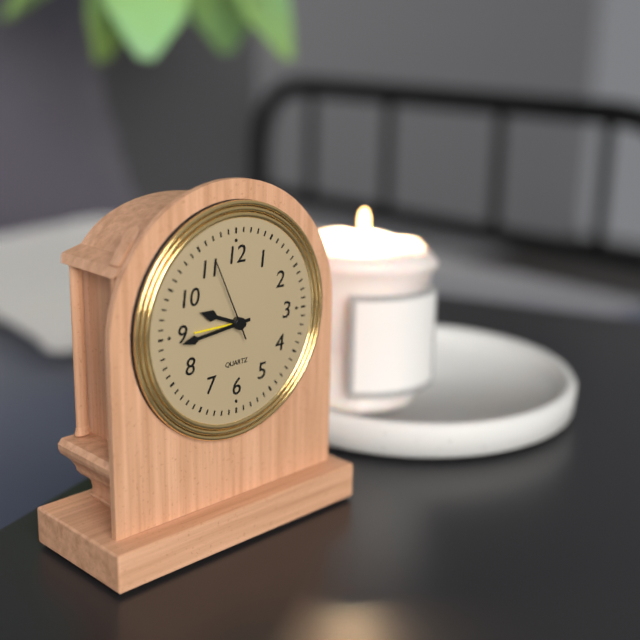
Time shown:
**9:44:56**
